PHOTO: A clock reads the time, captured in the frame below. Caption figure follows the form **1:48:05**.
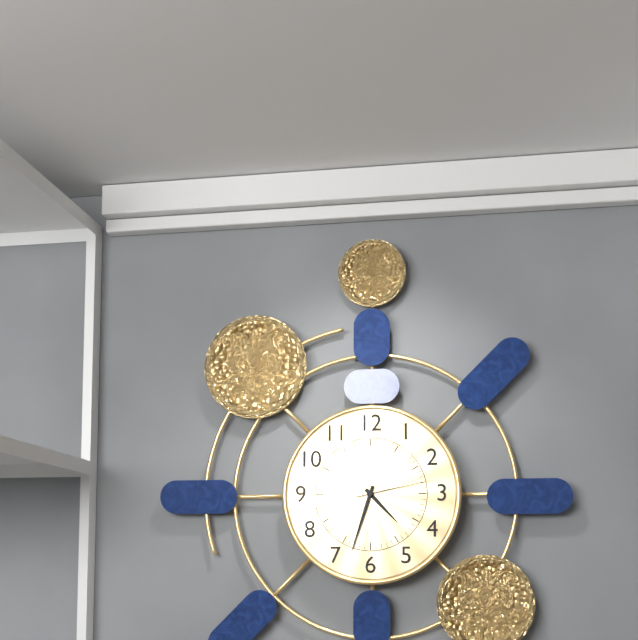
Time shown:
**4:33:13**
